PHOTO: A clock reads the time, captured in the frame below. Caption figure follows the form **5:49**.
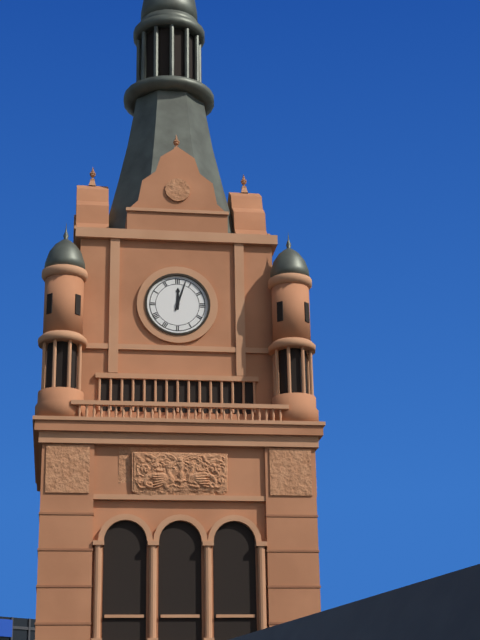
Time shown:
**12:03**
